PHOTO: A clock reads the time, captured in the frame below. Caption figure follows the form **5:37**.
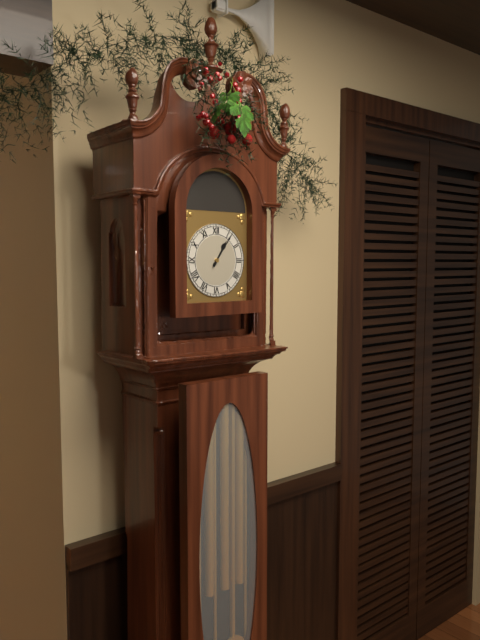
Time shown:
**1:06**
